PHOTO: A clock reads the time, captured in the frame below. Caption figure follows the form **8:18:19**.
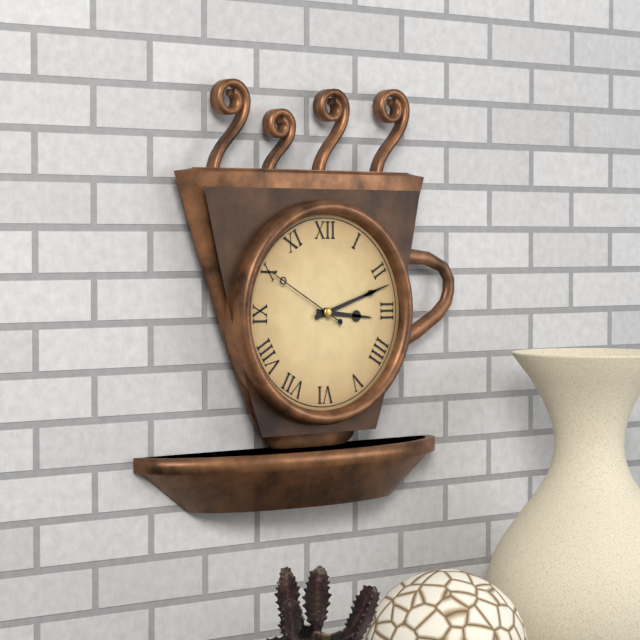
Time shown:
**3:12:50**
